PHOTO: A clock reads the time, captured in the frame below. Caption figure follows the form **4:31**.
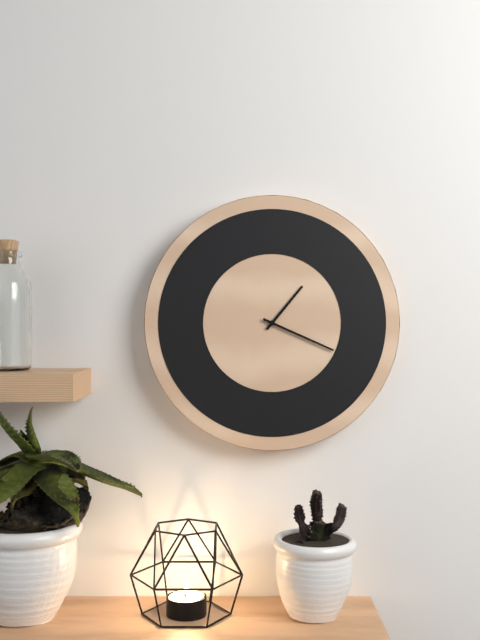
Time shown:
**1:19**
